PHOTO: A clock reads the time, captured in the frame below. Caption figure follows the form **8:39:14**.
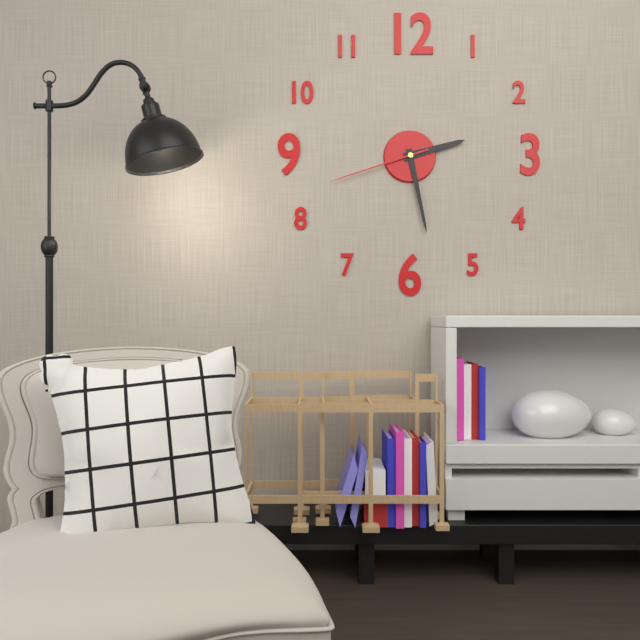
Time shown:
**2:28:42**
